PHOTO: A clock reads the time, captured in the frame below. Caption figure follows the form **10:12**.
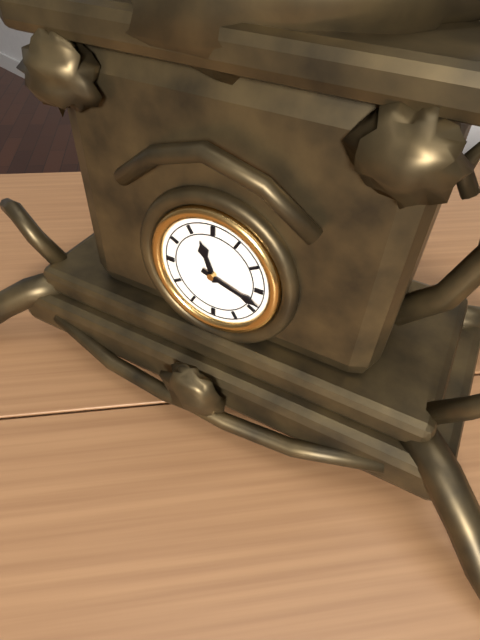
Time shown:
**11:18**
